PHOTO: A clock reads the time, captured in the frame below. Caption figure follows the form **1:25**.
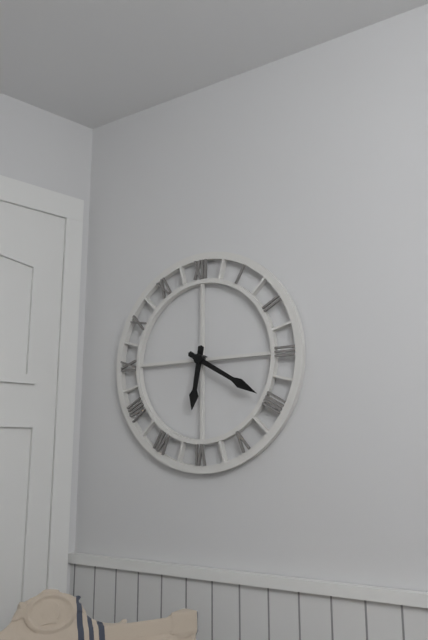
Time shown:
**6:20**
